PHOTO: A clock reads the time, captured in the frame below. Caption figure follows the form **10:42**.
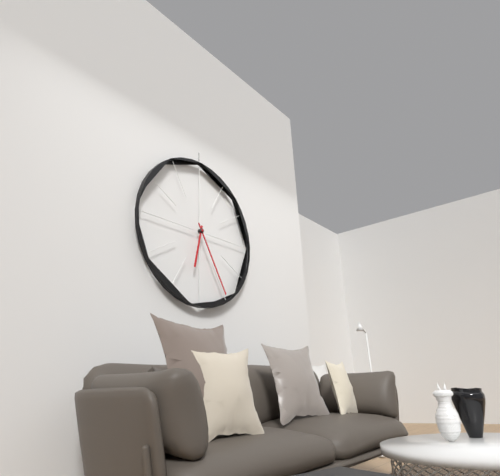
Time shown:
**6:25**
